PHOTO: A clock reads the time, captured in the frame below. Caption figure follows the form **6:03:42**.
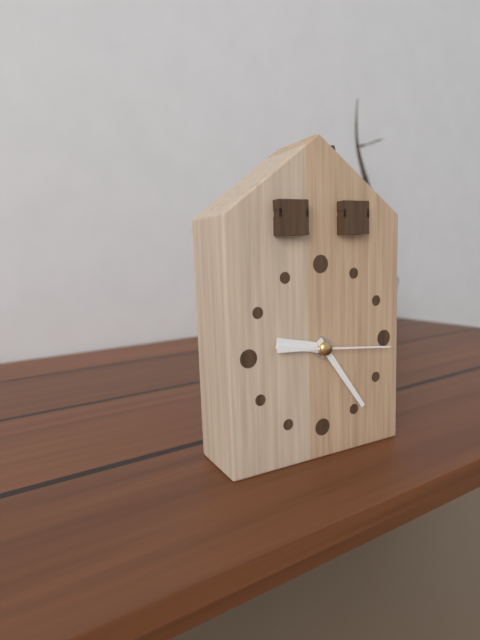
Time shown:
**9:24:16**
